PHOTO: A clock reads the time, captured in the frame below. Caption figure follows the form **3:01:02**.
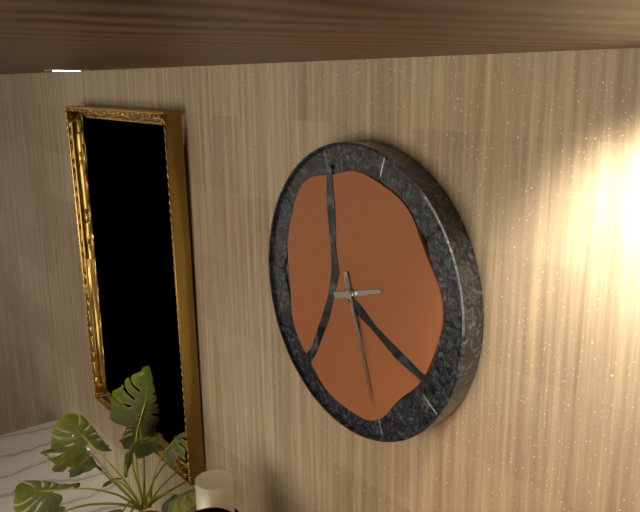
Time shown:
**2:27:26**
